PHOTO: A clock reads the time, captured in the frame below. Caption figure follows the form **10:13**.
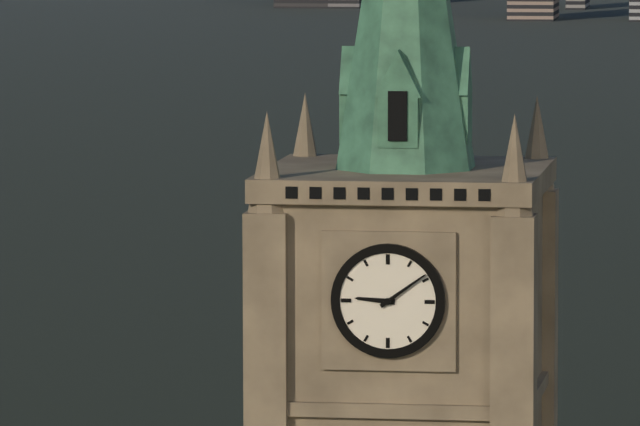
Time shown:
**9:09**
